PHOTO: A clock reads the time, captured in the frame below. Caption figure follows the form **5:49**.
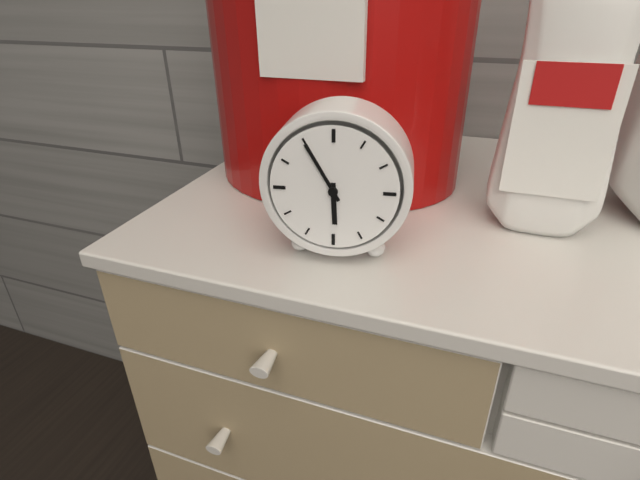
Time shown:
**5:55**
